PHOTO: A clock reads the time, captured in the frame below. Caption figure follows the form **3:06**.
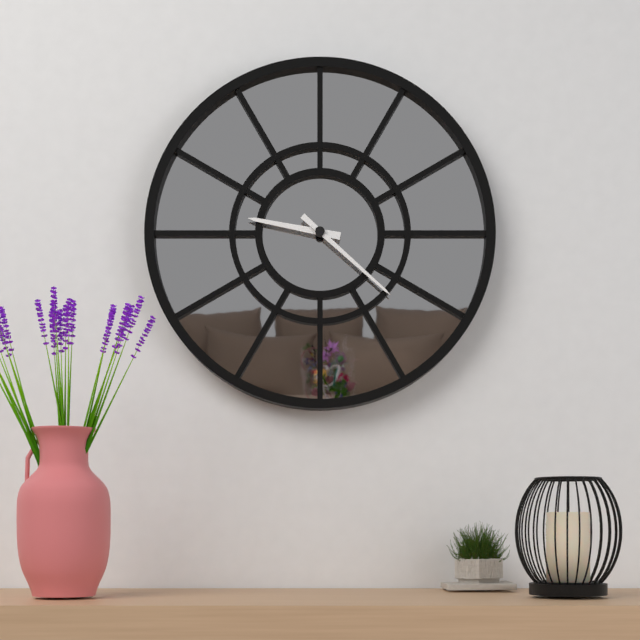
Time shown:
**9:22**
